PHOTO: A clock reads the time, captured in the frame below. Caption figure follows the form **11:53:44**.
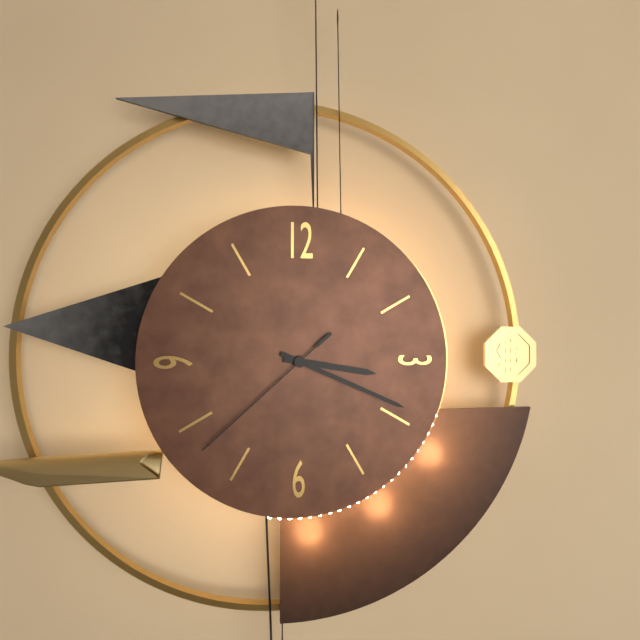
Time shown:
**3:19:38**
